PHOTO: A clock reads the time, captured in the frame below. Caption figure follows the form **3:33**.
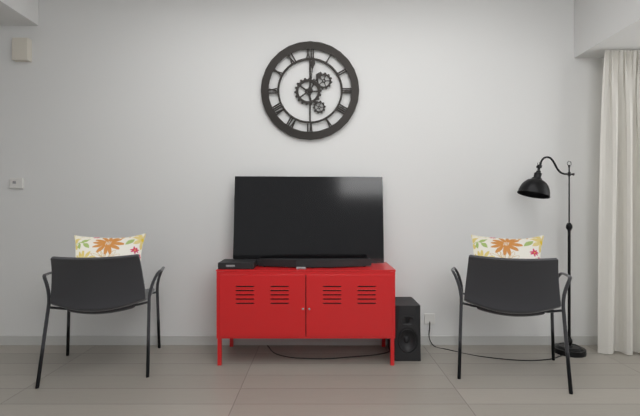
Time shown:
**1:01**
